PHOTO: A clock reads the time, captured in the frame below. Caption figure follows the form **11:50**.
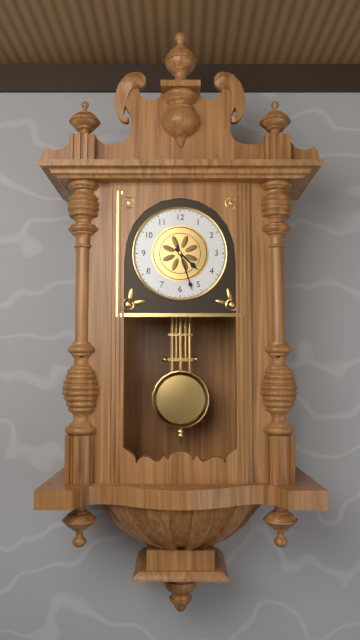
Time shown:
**4:27**
